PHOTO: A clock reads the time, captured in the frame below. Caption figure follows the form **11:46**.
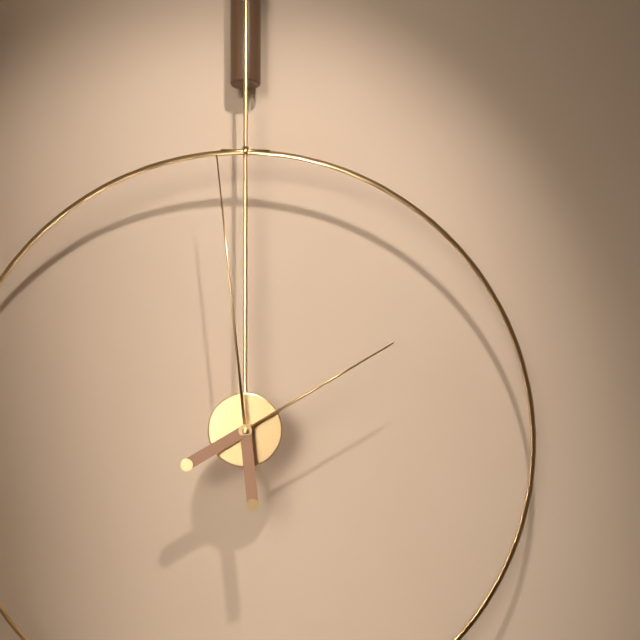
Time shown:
**1:59**
